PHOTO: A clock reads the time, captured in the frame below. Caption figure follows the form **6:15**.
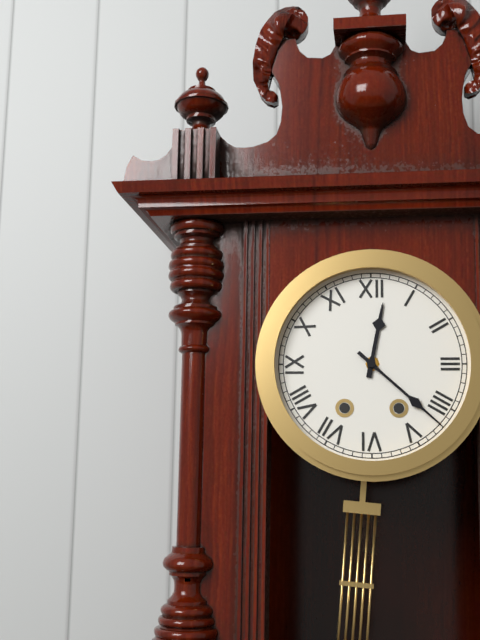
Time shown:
**12:22**
